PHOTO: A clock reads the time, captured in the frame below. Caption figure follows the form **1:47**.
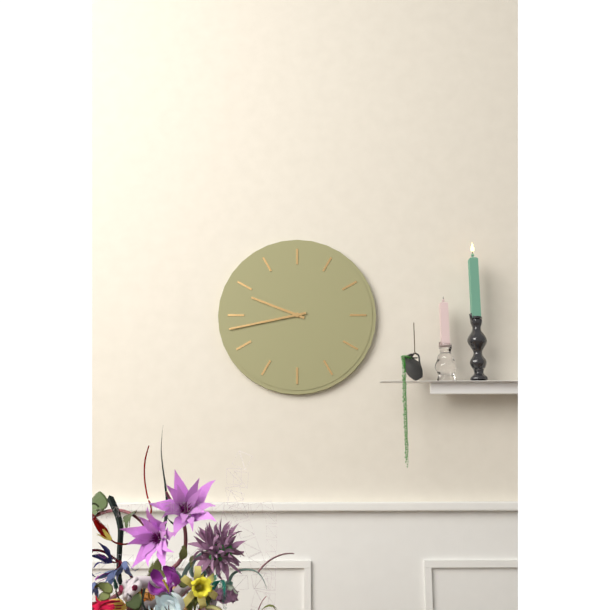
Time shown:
**9:43**
